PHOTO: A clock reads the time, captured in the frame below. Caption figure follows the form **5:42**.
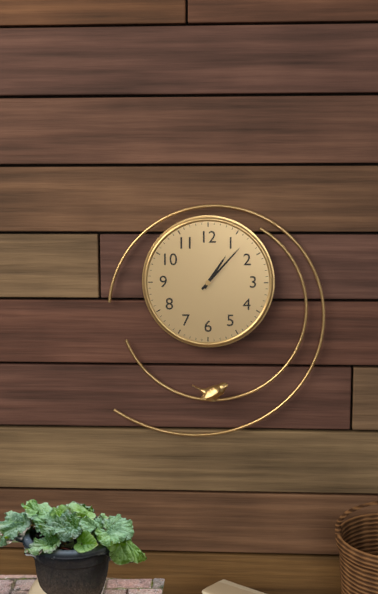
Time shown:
**1:07**
